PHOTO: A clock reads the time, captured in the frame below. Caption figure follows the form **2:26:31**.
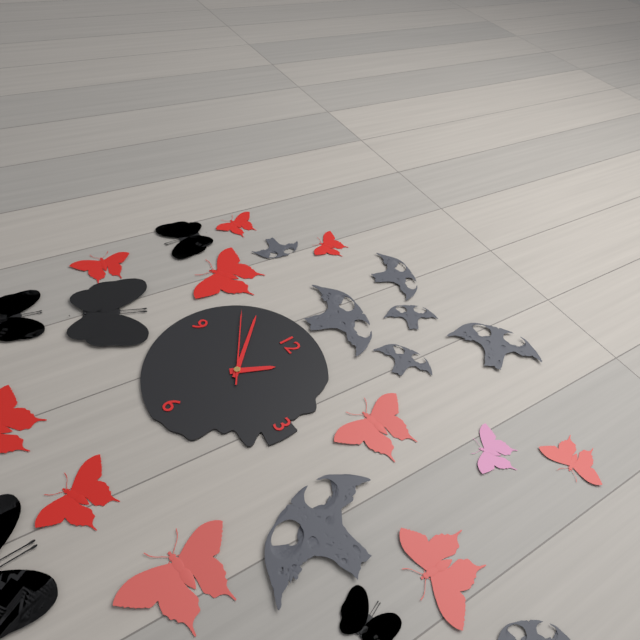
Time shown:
**12:53:51**
